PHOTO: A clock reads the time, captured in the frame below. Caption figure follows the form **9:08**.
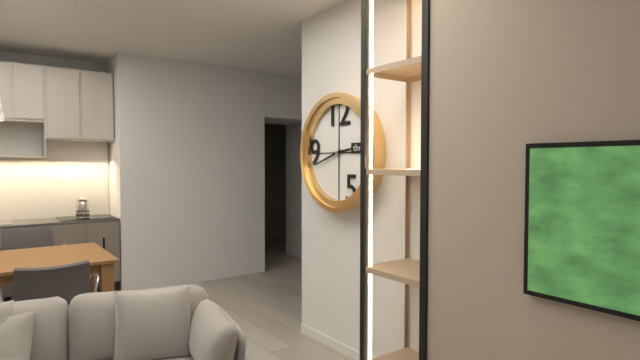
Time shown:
**2:42**
